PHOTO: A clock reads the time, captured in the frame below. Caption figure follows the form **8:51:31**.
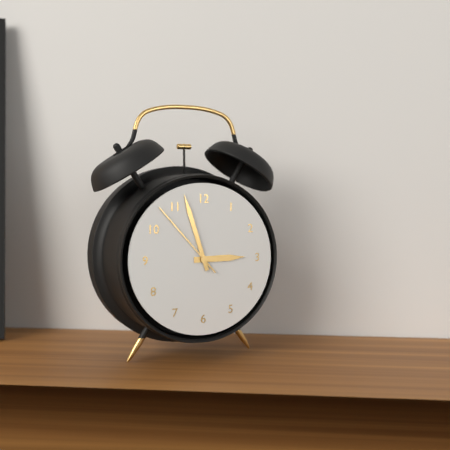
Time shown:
**2:57:53**
